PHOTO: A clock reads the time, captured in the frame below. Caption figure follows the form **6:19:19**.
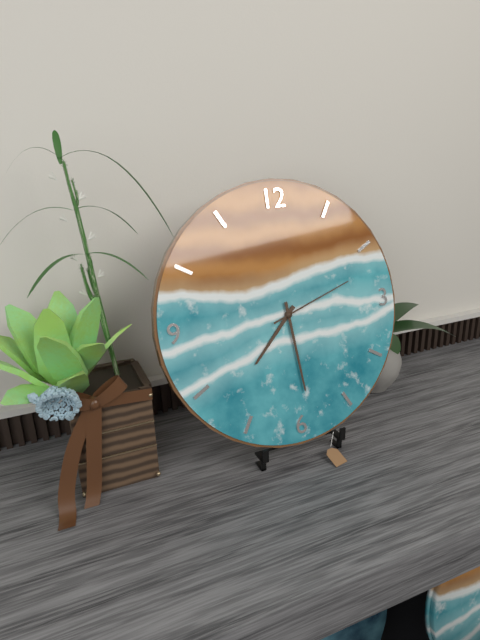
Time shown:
**7:29:12**
